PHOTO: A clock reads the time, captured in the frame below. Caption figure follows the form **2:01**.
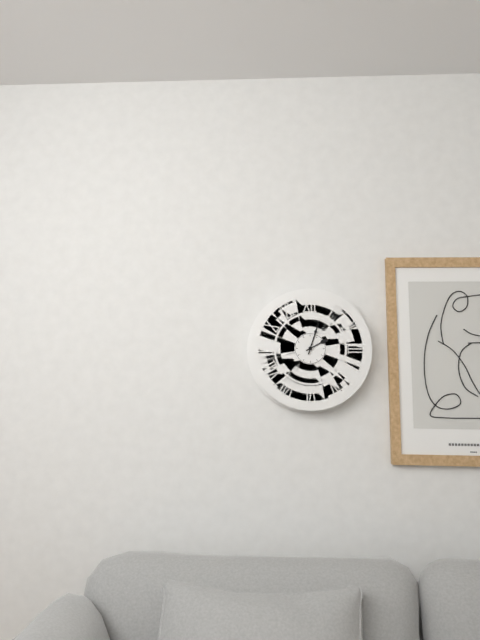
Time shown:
**2:03**
